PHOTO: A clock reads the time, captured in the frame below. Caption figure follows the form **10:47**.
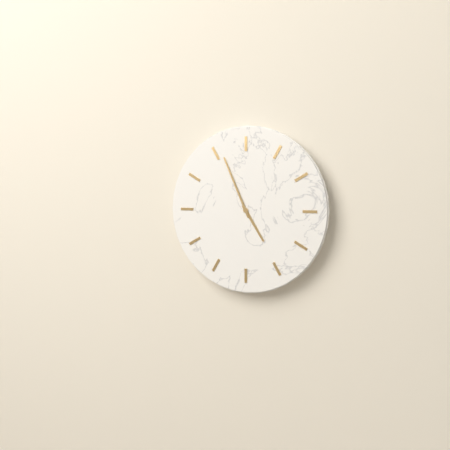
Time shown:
**4:56**
